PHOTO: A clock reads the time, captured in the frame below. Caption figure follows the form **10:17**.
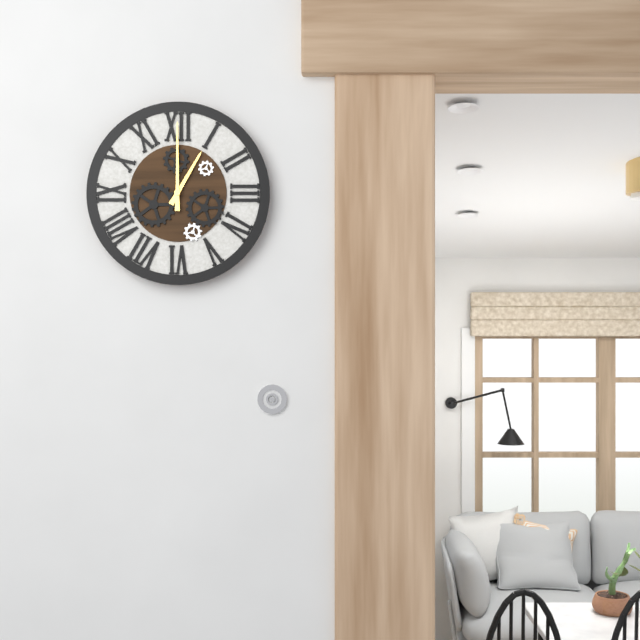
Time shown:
**1:00**
